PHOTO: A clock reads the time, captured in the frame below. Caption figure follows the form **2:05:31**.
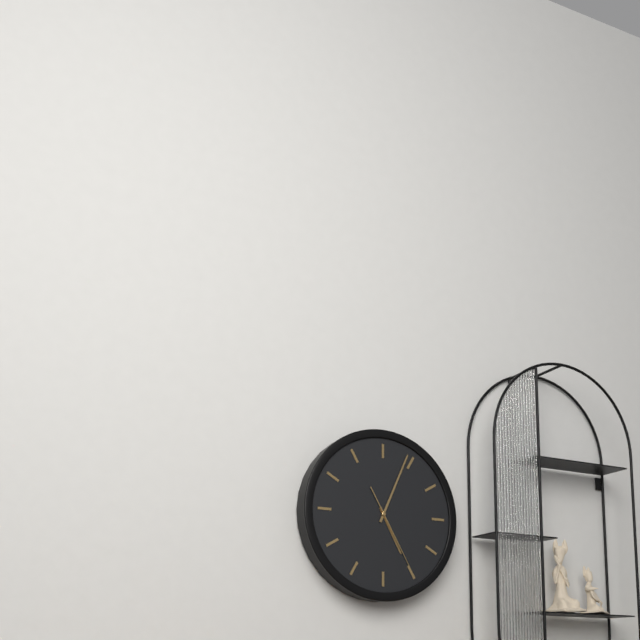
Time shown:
**5:04:25**
